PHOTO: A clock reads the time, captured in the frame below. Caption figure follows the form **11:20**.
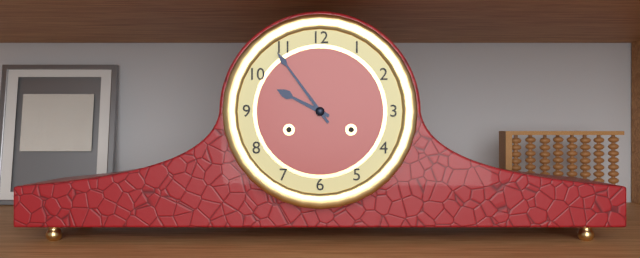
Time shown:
**9:54**
